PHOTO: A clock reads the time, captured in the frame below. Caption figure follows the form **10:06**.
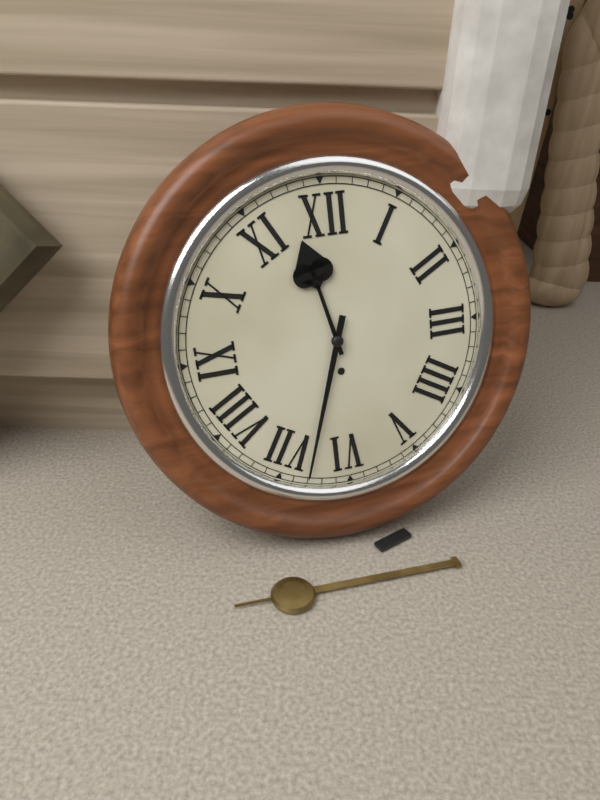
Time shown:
**11:33**
